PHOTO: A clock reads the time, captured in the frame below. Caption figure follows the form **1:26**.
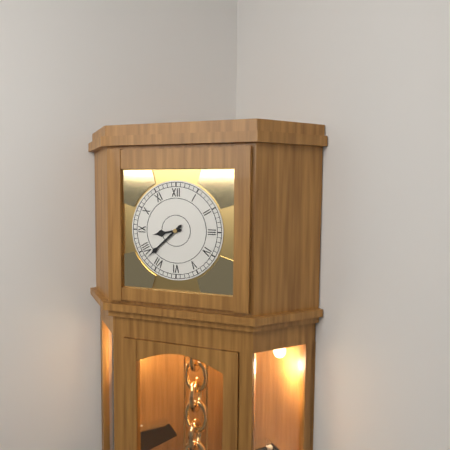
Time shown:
**8:38**
